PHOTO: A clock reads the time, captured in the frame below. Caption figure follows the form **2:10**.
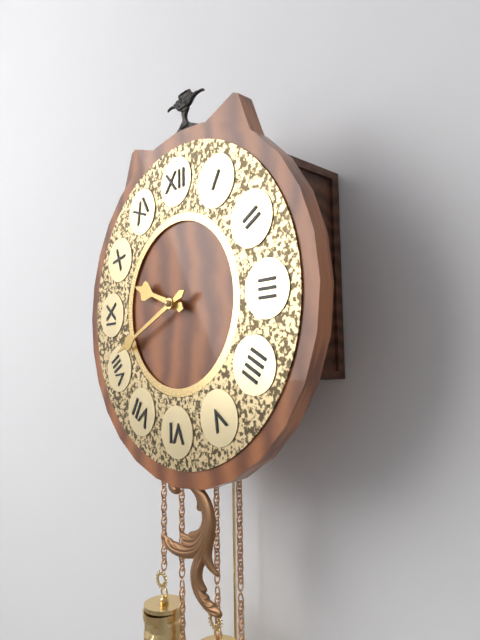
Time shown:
**9:41**
